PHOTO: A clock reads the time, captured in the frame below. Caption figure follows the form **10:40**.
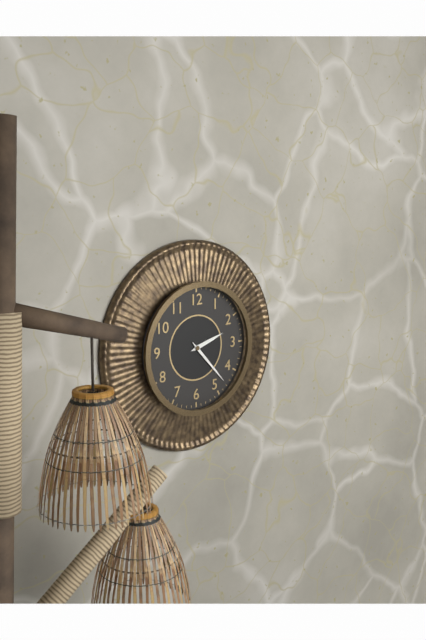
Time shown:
**2:23**
